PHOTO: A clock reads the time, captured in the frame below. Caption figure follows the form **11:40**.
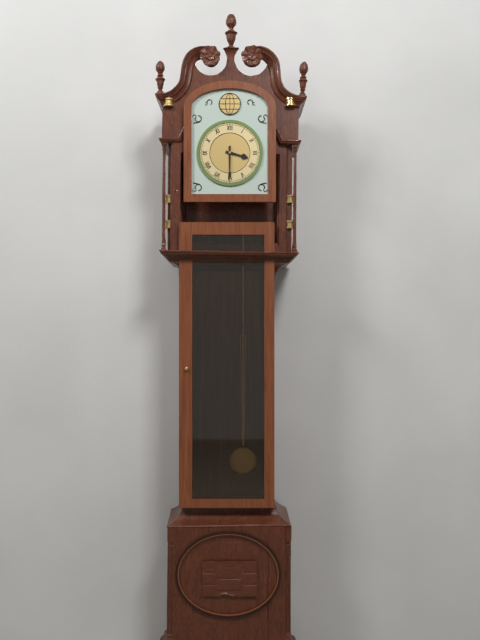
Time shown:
**3:30**
